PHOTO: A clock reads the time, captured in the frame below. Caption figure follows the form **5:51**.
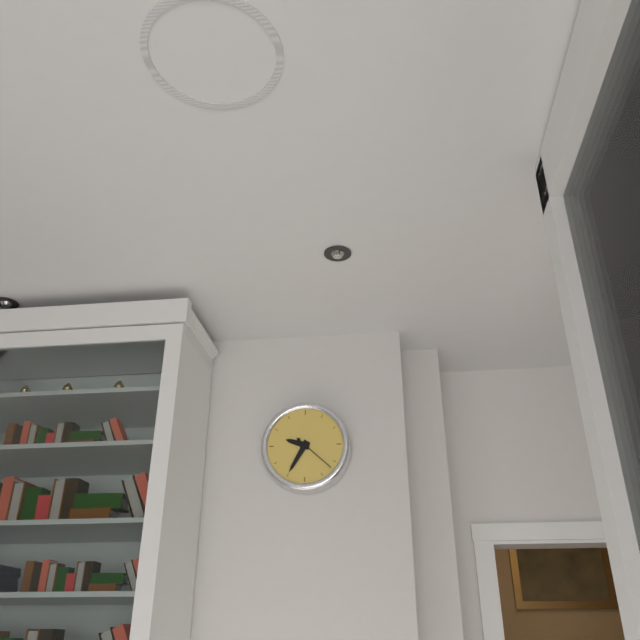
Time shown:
**9:35**
